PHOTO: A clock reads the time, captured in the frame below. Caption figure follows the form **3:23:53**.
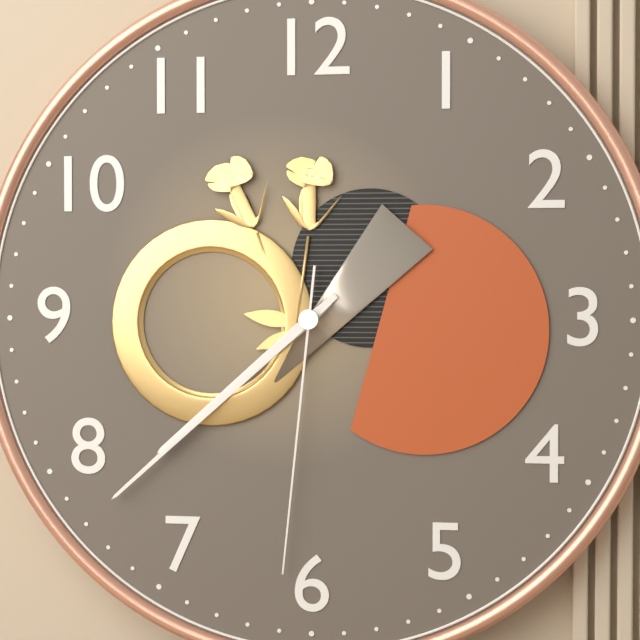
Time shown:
**7:38:31**
